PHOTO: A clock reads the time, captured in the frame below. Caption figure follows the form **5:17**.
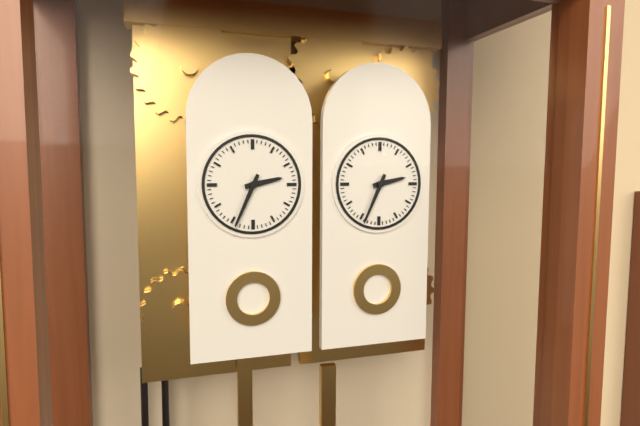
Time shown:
**2:34**
